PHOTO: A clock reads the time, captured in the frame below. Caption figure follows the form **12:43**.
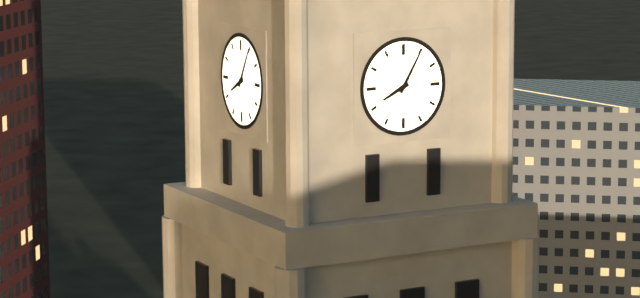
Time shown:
**8:05**
